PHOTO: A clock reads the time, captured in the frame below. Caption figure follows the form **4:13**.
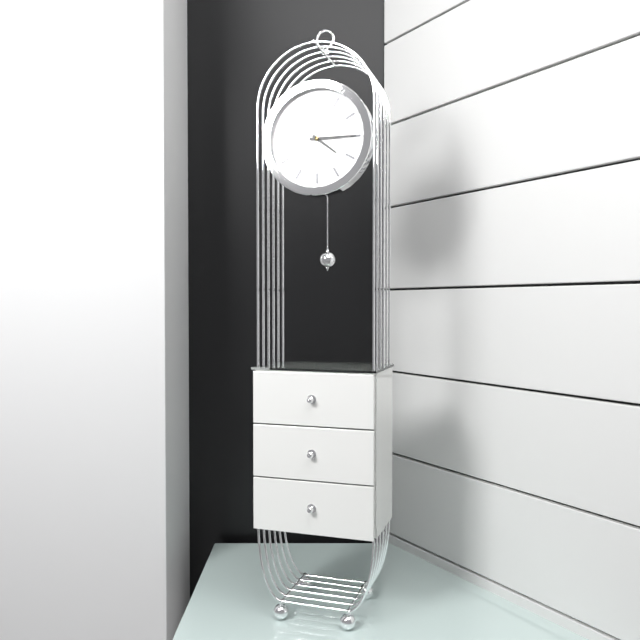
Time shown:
**4:15**
